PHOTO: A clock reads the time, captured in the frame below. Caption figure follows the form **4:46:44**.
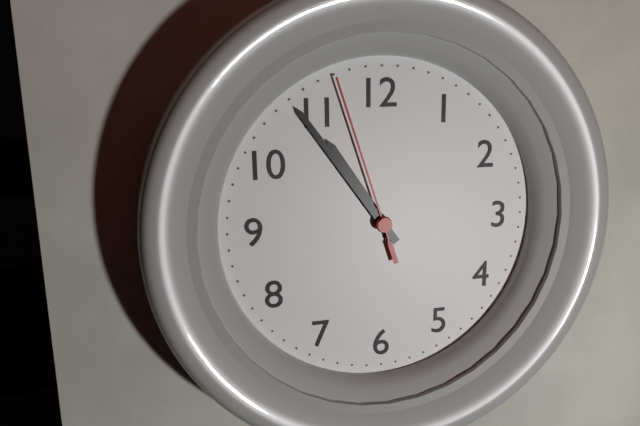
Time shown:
**10:54:57**
